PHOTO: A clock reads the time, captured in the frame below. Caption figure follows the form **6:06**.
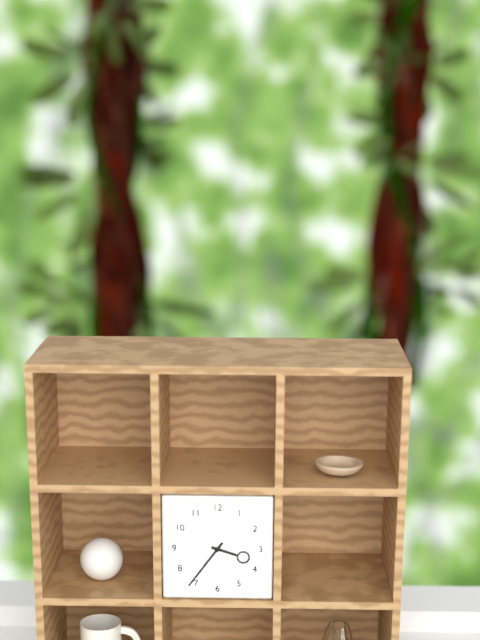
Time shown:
**3:36**
